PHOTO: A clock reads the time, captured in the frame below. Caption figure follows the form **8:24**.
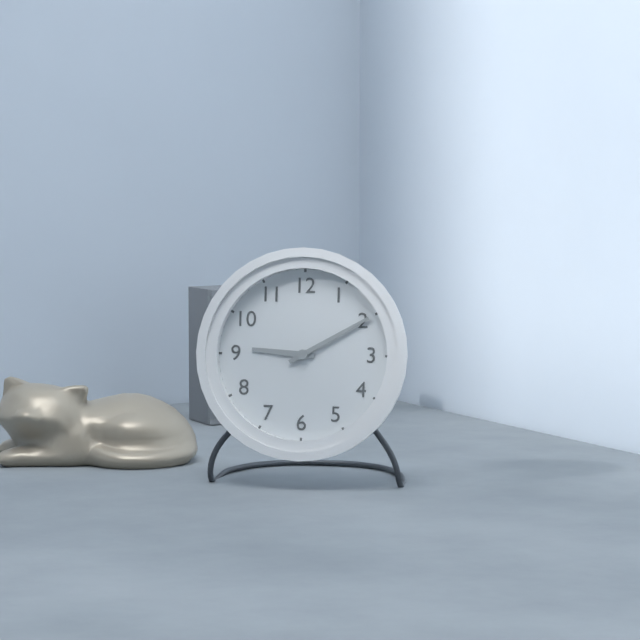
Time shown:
**9:10**
